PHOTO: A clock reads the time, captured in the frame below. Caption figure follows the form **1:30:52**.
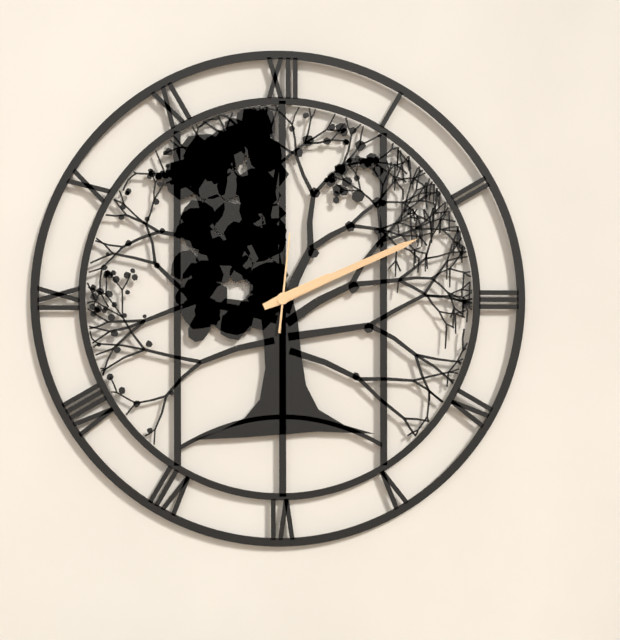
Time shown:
**2:11:01**
